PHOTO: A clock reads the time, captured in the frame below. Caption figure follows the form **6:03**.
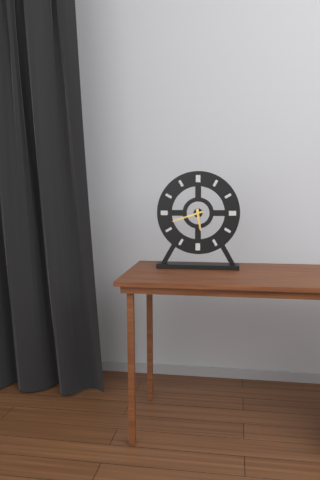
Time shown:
**5:42**
